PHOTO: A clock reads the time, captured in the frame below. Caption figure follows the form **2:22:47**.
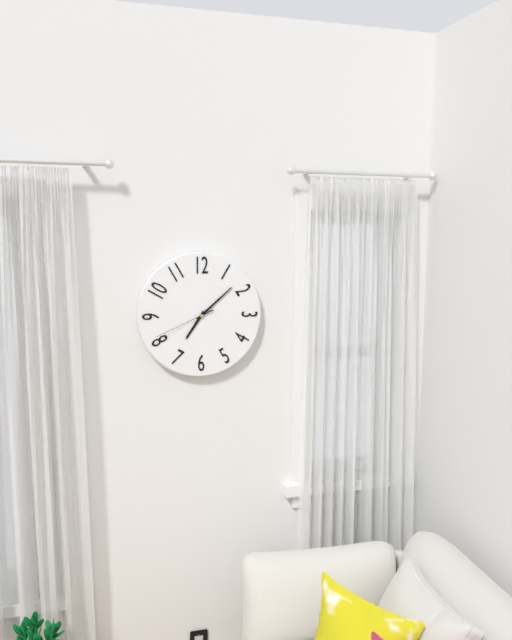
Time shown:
**7:08:41**
